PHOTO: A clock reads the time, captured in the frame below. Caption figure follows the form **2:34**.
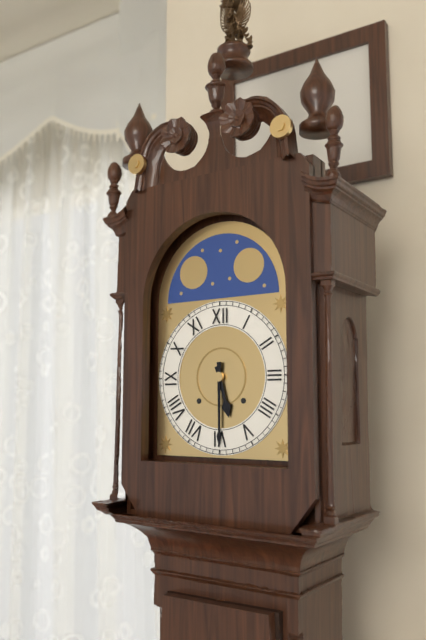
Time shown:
**5:30**
